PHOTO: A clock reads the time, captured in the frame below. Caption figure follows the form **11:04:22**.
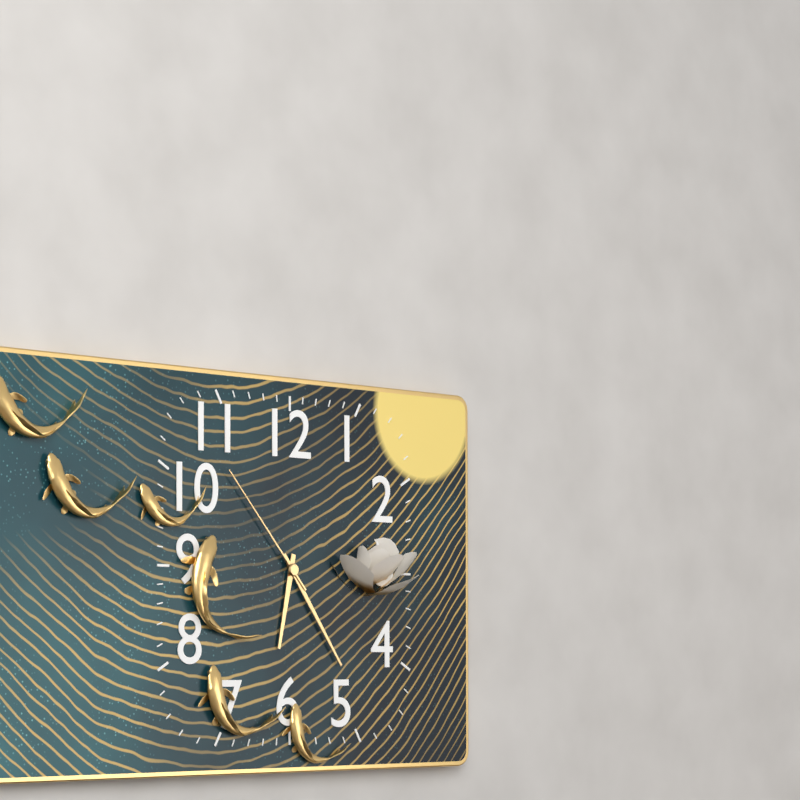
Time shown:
**6:24:53**
